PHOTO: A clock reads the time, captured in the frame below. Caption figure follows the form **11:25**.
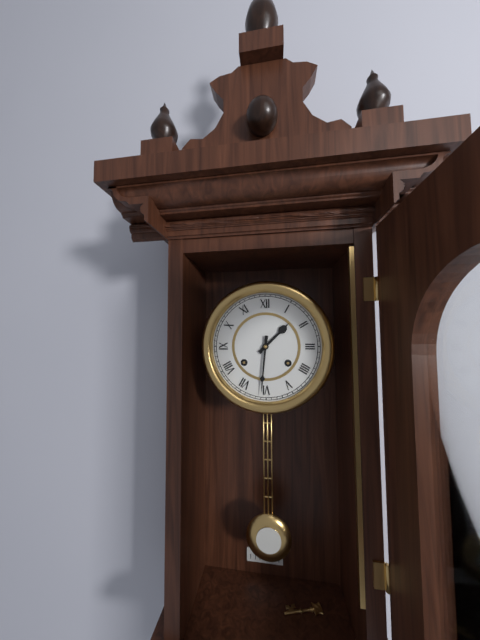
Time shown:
**1:31**
